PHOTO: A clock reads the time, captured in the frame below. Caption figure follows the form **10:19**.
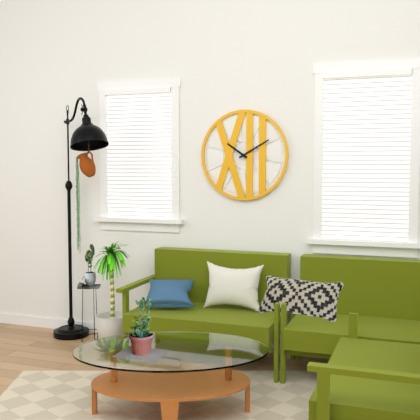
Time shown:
**10:10**
